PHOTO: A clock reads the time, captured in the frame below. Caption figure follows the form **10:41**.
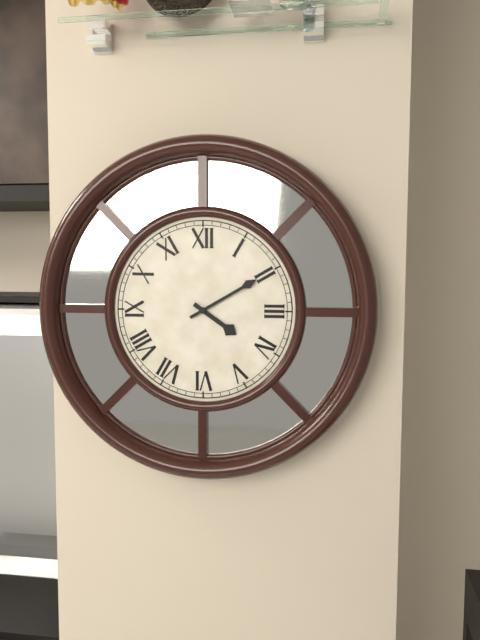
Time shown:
**4:10**
